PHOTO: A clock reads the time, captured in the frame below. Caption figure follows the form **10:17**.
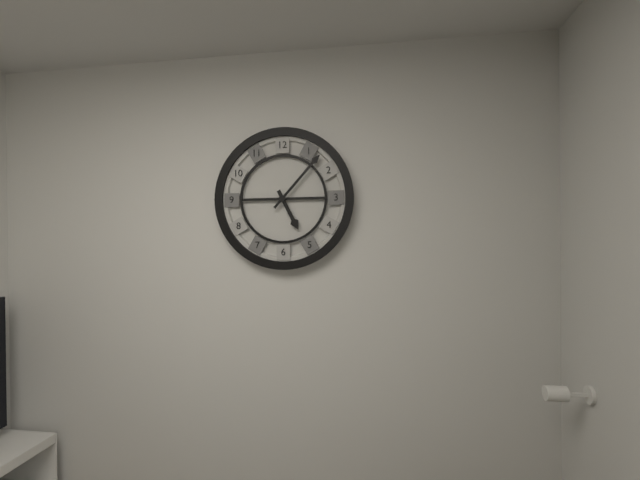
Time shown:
**5:07**
